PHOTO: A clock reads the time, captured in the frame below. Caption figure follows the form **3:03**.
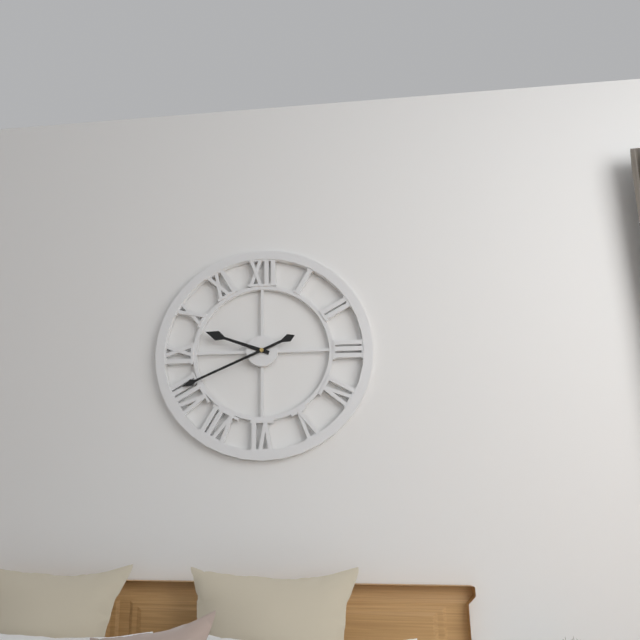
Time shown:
**9:41**
